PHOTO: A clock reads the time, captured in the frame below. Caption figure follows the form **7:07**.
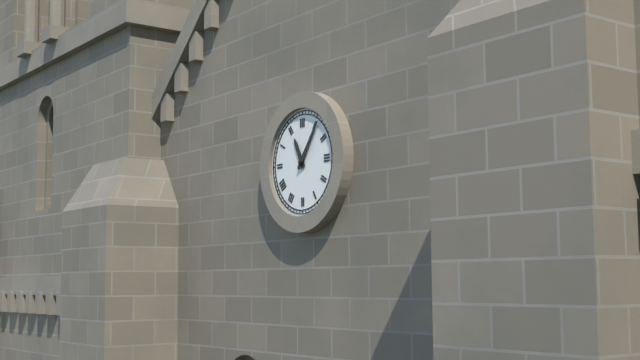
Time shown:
**11:06**
